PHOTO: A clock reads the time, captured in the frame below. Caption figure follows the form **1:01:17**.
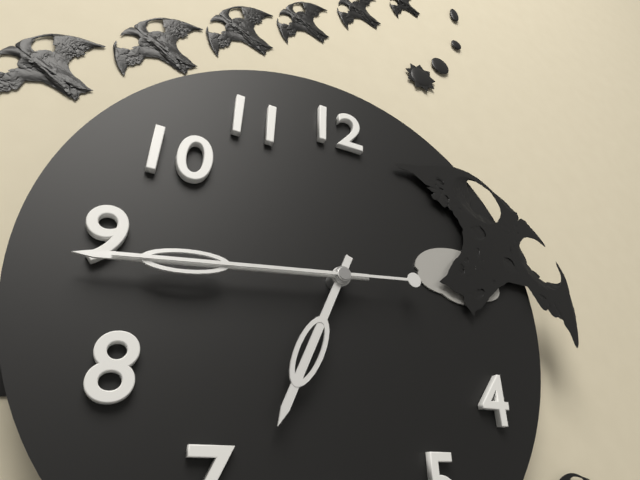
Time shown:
**6:44:44**
